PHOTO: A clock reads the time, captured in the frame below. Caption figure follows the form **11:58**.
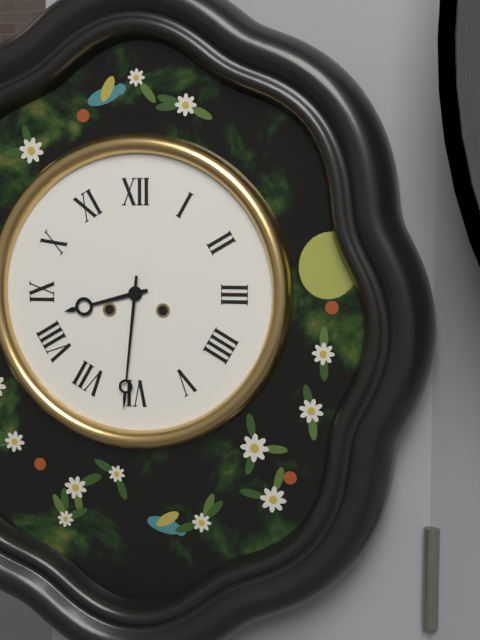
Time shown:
**8:31**
